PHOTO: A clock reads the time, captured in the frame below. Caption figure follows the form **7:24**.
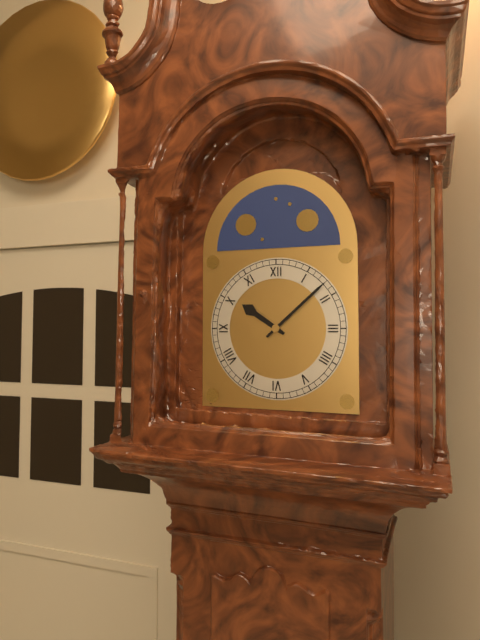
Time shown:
**10:08**
